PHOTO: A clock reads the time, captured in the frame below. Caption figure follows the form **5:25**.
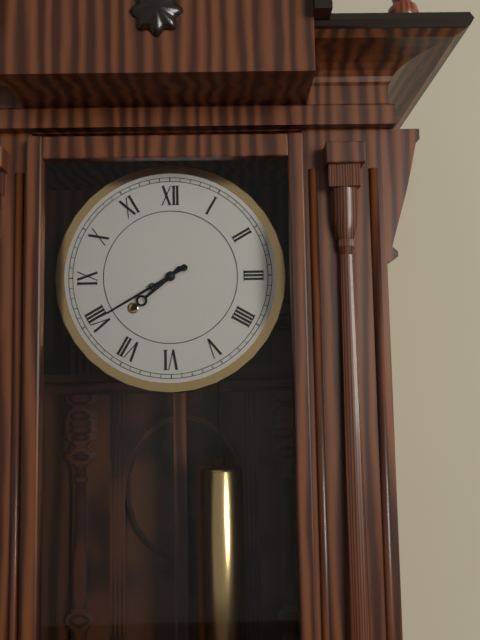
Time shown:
**7:40**
